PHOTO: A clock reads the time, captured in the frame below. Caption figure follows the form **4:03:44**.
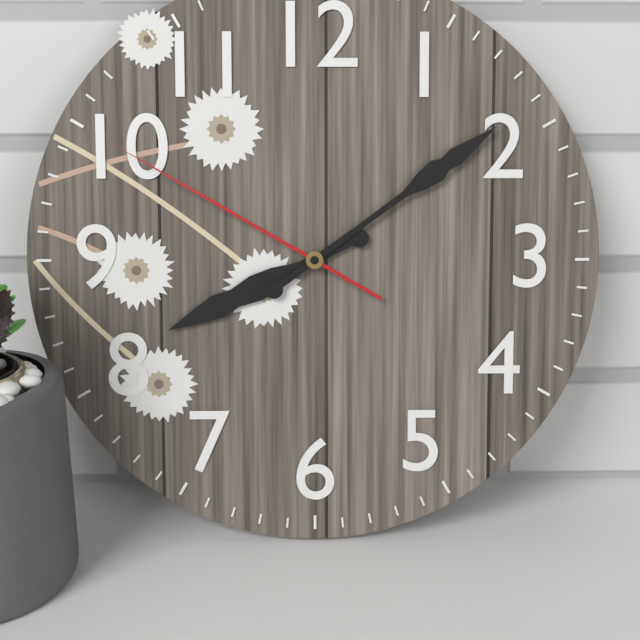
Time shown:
**8:09:50**
